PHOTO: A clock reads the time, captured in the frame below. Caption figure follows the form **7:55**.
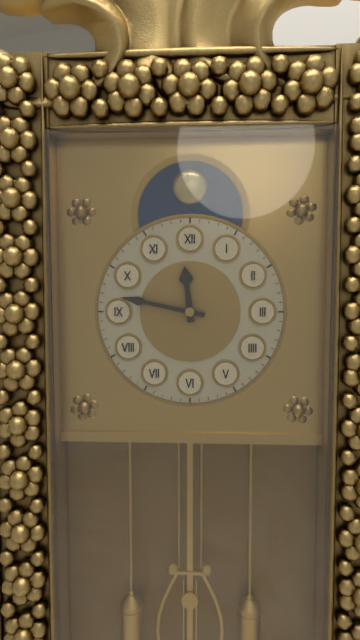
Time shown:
**11:47**
